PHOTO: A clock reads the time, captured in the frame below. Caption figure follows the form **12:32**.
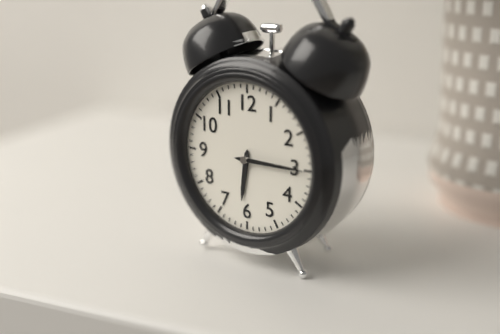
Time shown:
**6:15**
